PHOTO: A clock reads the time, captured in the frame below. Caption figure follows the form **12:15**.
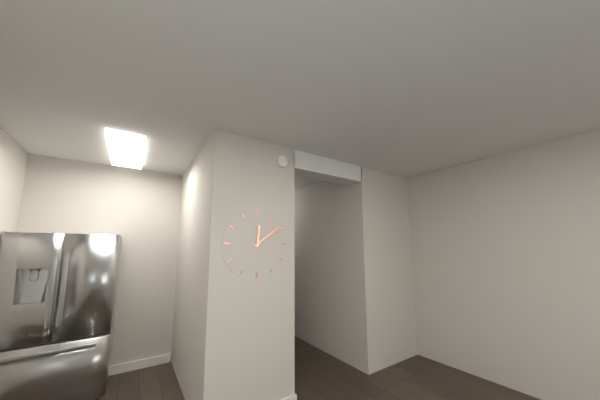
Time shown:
**12:09**
